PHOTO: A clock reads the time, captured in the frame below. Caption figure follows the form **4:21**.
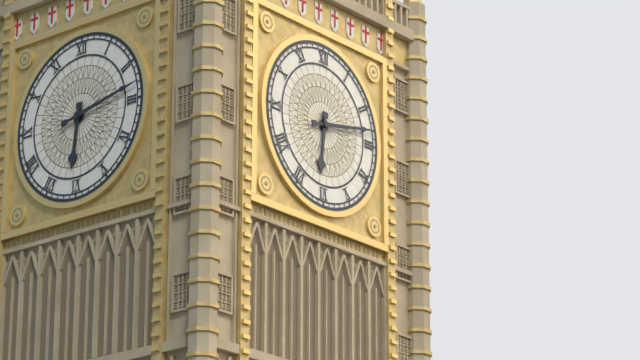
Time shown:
**6:13**
